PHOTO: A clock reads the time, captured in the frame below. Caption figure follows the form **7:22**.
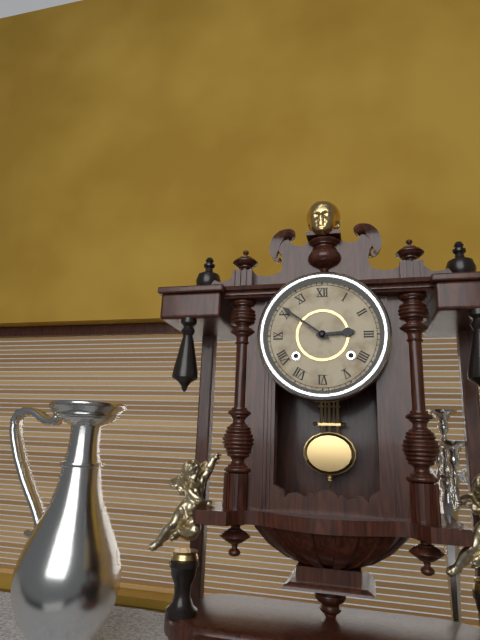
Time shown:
**2:51**
